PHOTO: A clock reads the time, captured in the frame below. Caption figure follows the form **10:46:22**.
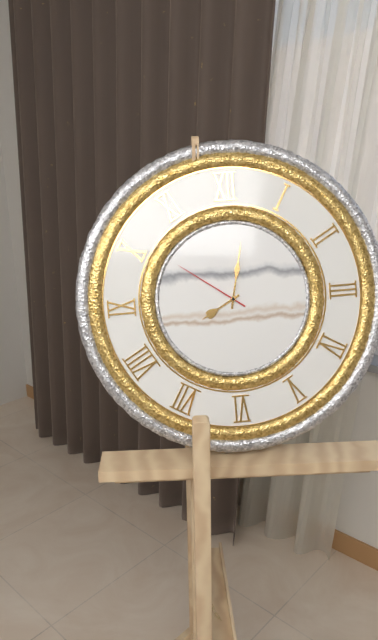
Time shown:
**8:02:51**
